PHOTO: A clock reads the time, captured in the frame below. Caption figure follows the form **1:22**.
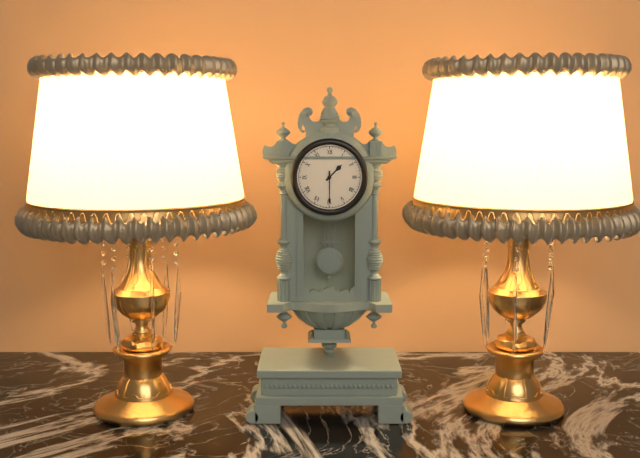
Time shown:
**1:30**
